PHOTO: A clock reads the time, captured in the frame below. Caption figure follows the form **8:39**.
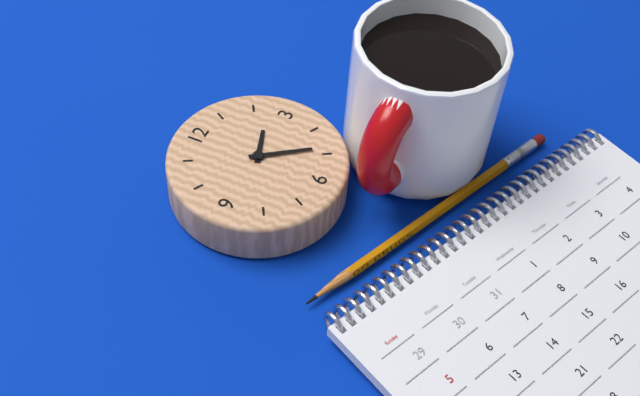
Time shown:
**2:24**
